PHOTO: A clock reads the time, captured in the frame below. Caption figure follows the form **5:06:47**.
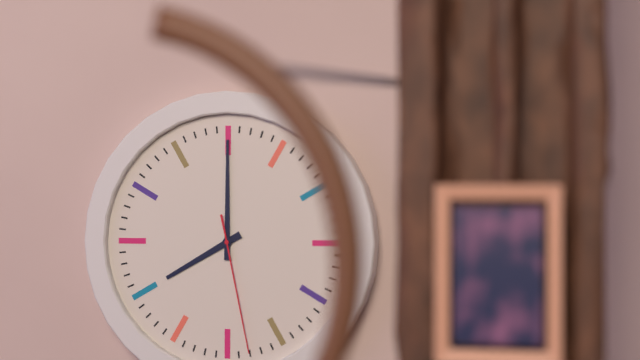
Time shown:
**8:00:28**
